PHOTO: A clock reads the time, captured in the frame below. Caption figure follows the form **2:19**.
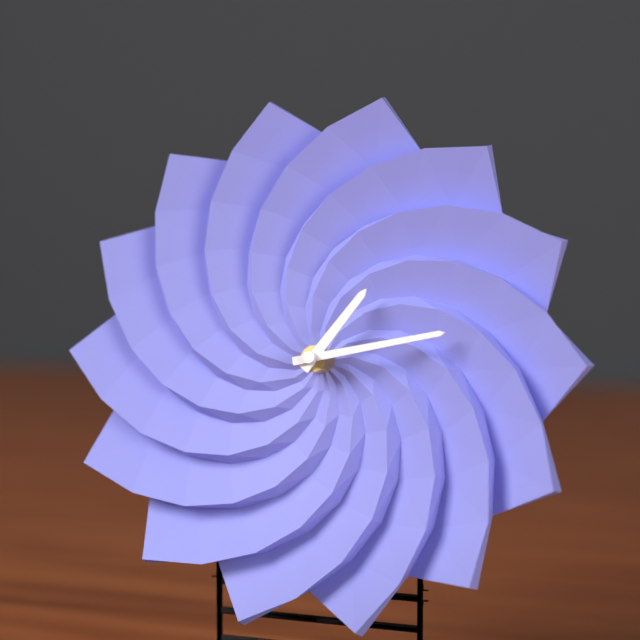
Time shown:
**1:13**
